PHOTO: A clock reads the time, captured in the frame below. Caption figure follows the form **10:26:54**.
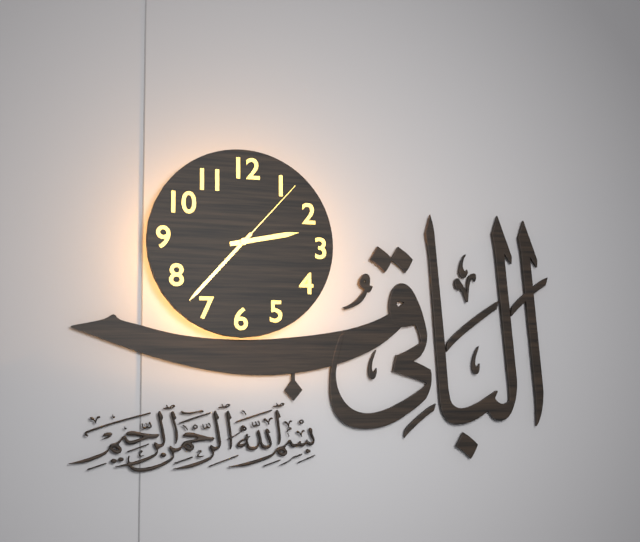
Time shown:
**2:37:07**
